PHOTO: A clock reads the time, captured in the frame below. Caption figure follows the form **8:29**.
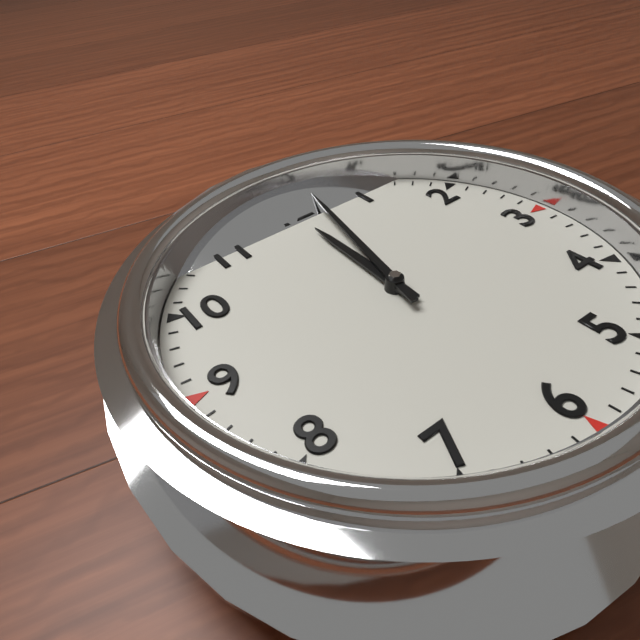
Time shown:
**12:02**
